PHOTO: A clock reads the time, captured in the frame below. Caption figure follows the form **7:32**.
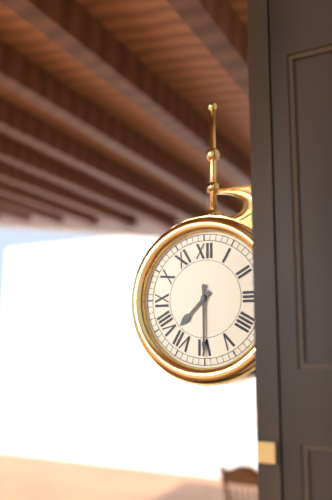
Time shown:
**7:30**
